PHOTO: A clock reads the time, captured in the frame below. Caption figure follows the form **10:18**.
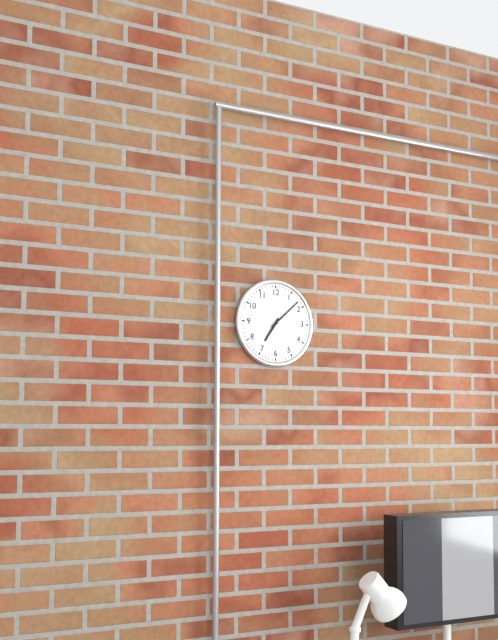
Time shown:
**7:08**
